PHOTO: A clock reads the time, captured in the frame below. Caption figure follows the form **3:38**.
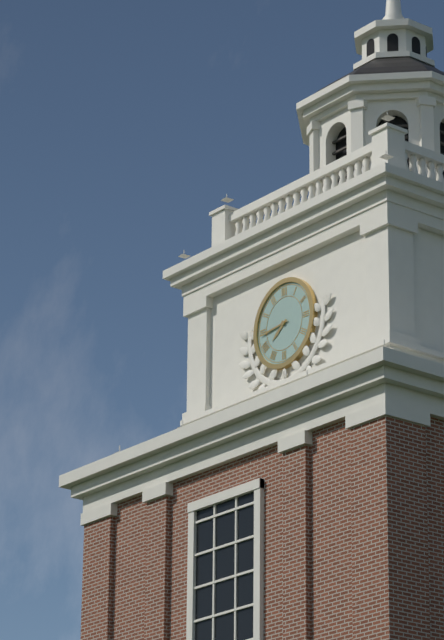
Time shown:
**7:44**
